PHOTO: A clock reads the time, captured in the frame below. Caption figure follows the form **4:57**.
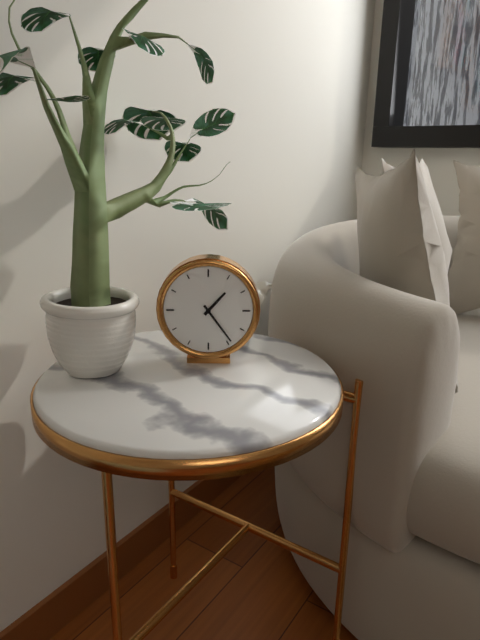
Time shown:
**1:24**
